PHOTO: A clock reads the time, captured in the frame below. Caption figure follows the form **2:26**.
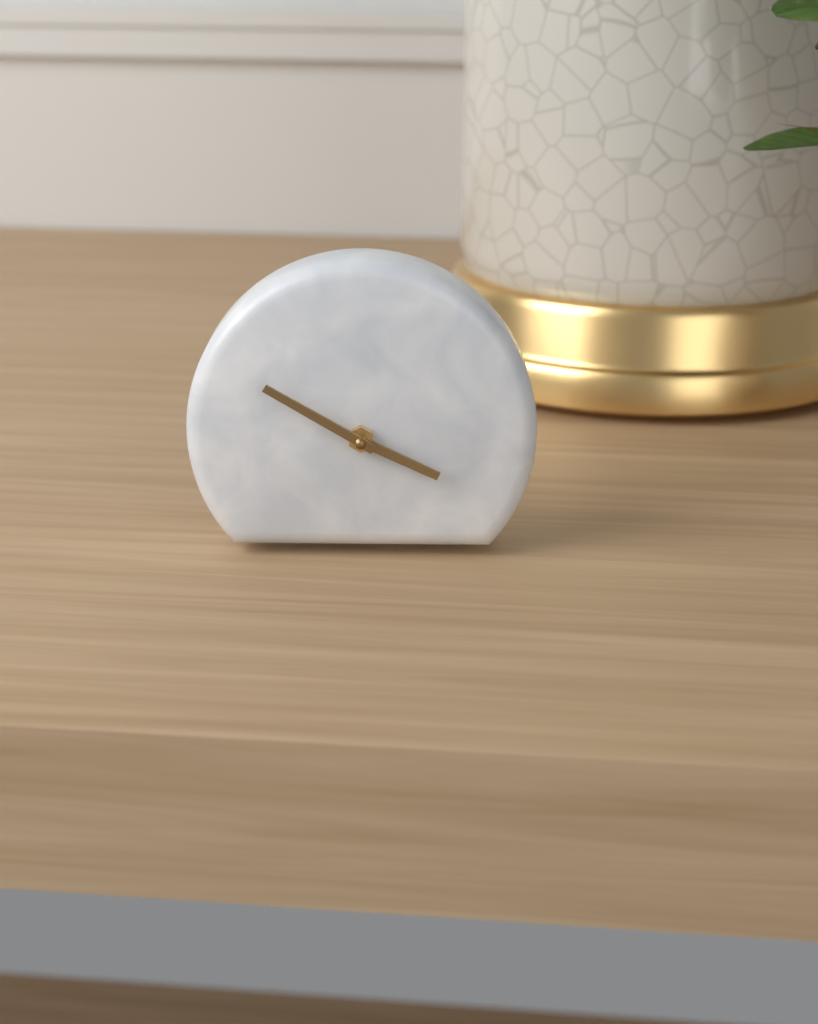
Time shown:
**3:50**
